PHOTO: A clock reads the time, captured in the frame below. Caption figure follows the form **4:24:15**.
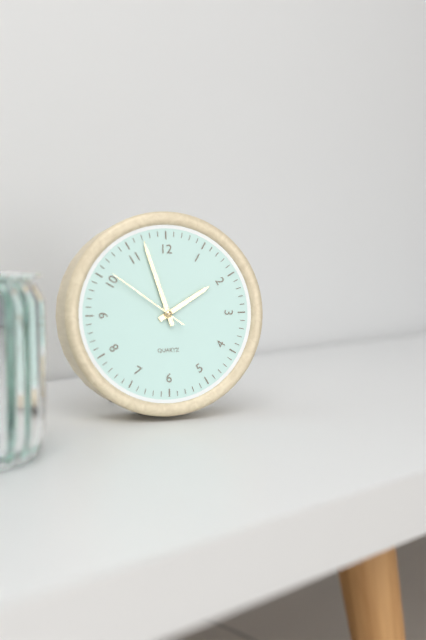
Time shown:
**1:57:51**
